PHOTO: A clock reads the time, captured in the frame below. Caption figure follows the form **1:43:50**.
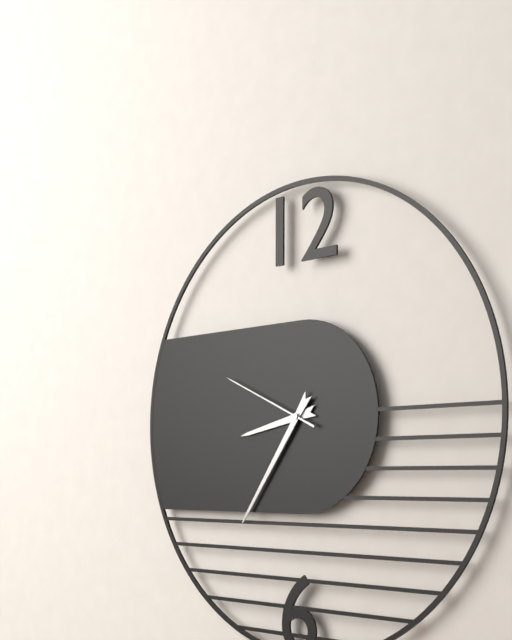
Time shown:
**8:36:49**
